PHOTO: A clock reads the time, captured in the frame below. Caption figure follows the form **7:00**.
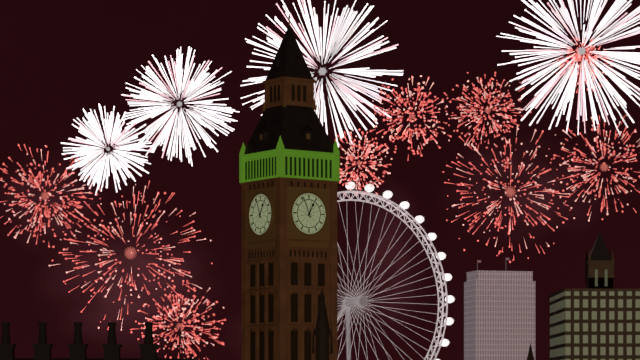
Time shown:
**12:56**
